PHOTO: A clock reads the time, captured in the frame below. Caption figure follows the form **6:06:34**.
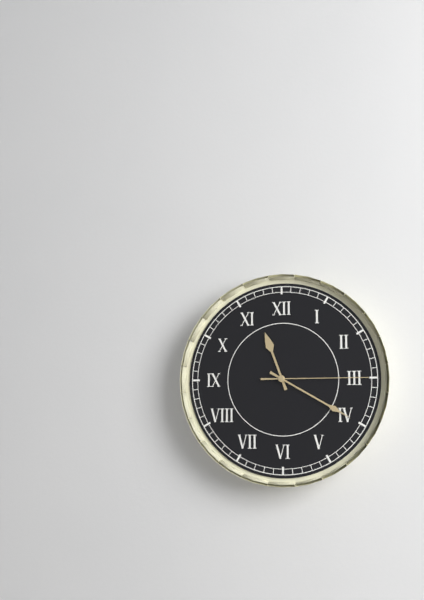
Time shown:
**11:20:15**
